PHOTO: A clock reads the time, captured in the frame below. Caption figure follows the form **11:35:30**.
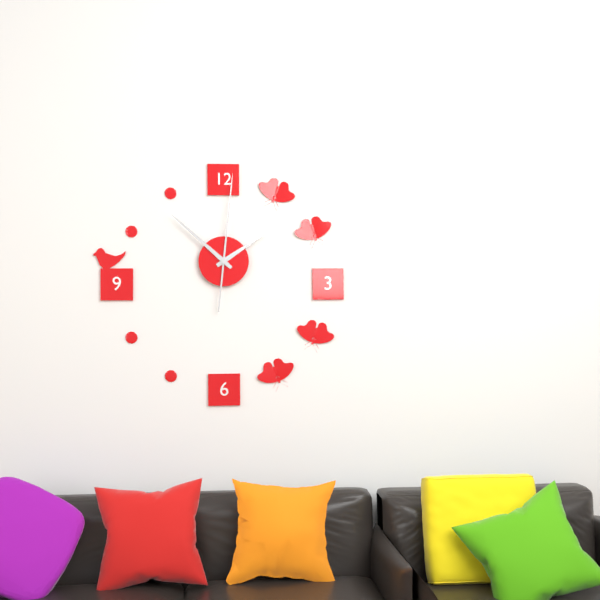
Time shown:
**1:52:01**
